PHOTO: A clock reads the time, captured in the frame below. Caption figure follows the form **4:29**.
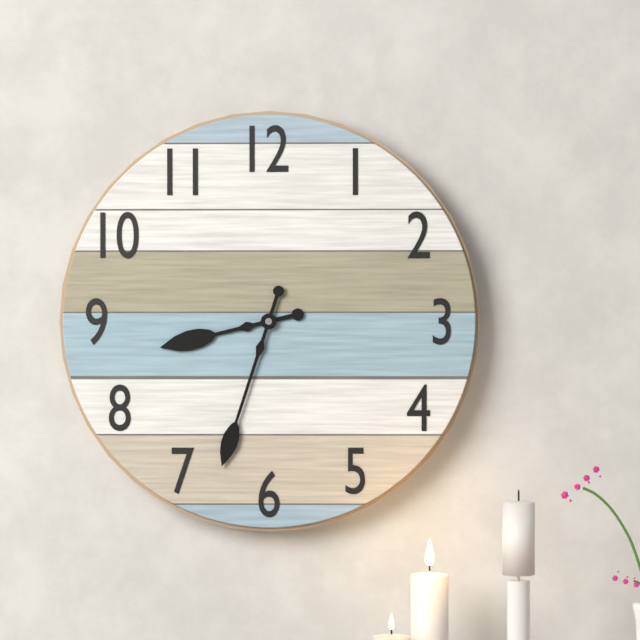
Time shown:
**8:33**
